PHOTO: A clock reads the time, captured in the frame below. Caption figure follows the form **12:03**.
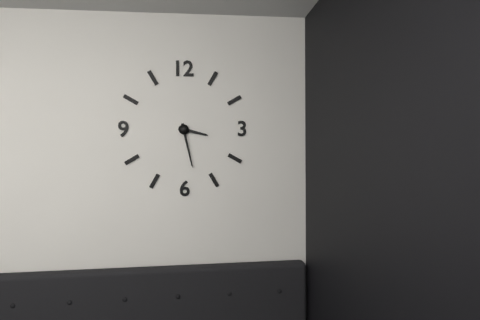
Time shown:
**3:28**
